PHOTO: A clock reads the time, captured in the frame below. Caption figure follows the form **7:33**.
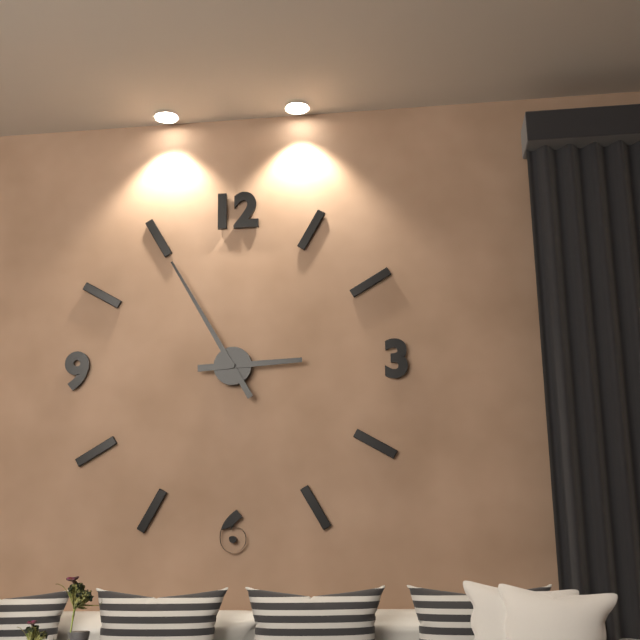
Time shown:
**2:55**
